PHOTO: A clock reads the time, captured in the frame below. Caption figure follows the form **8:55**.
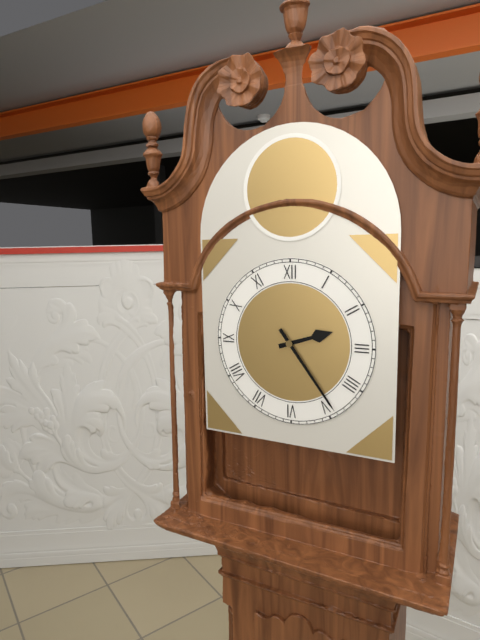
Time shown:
**2:24**
